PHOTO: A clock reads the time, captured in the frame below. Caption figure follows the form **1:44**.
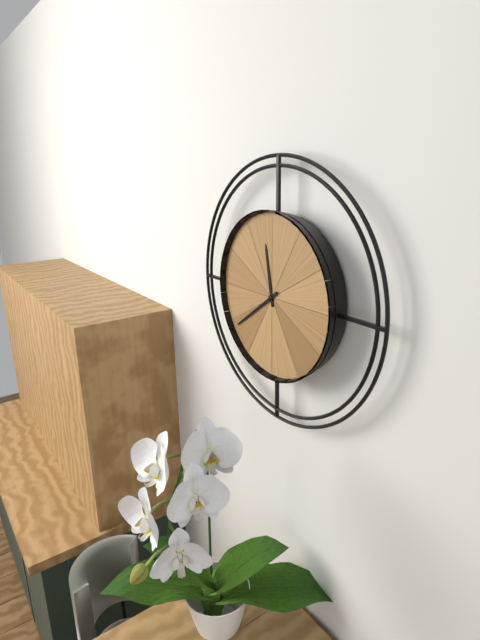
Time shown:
**11:39**
